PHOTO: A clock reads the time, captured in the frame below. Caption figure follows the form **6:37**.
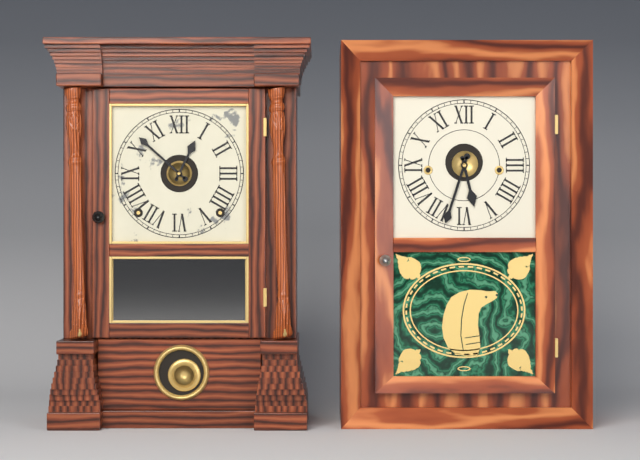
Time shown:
**12:52**
